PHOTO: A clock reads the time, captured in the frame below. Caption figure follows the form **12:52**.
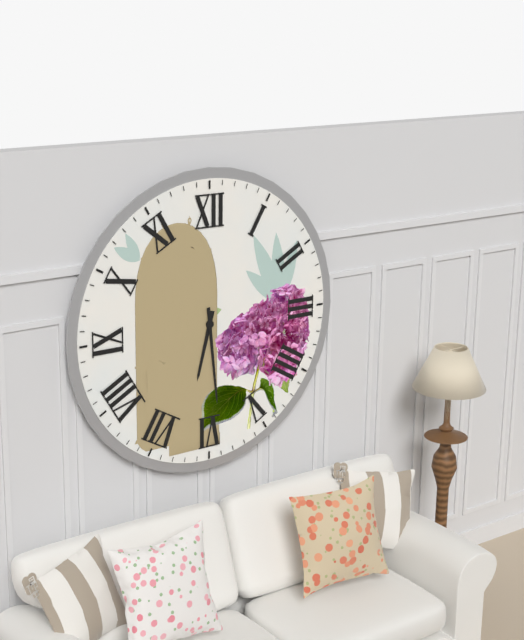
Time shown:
**6:29**
